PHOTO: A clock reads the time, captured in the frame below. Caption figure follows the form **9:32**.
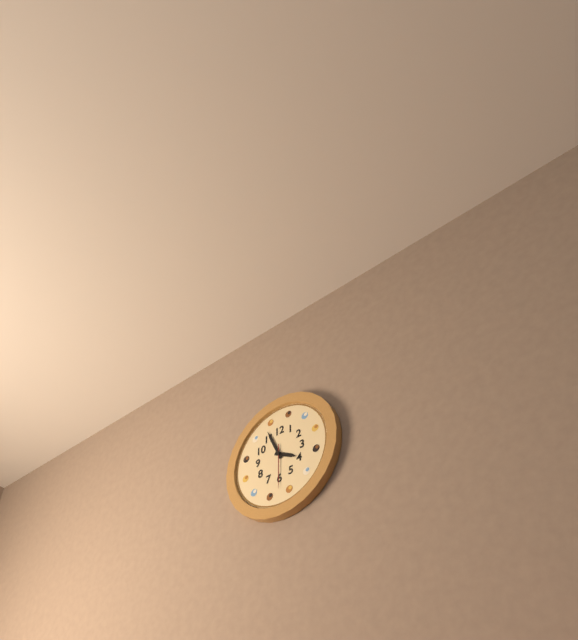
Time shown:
**3:56**
